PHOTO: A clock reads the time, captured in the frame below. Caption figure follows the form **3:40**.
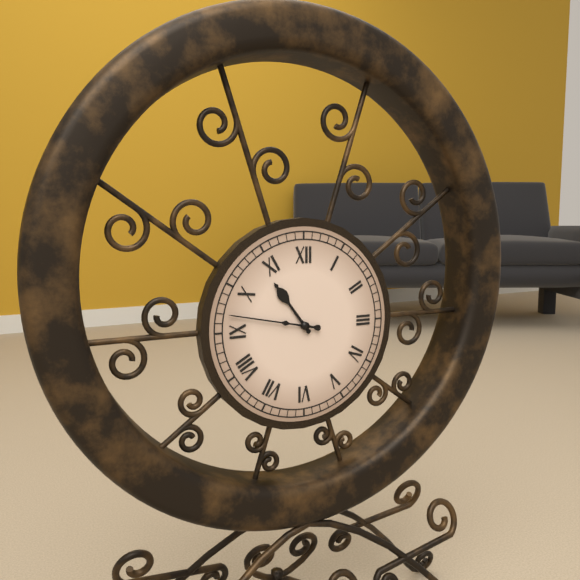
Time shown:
**10:47**
